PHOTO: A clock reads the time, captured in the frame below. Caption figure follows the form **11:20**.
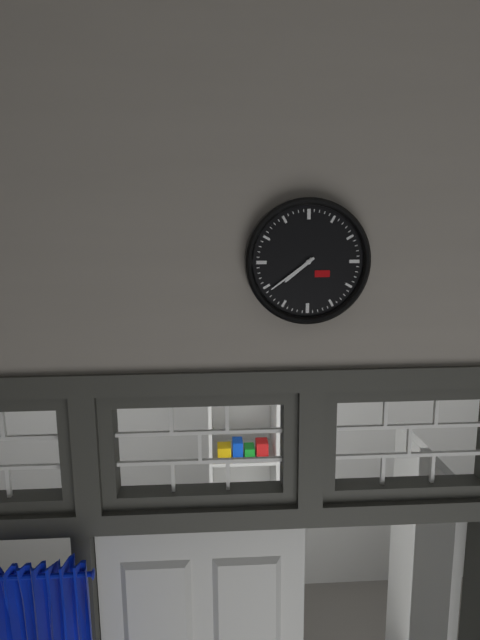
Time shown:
**7:39**
